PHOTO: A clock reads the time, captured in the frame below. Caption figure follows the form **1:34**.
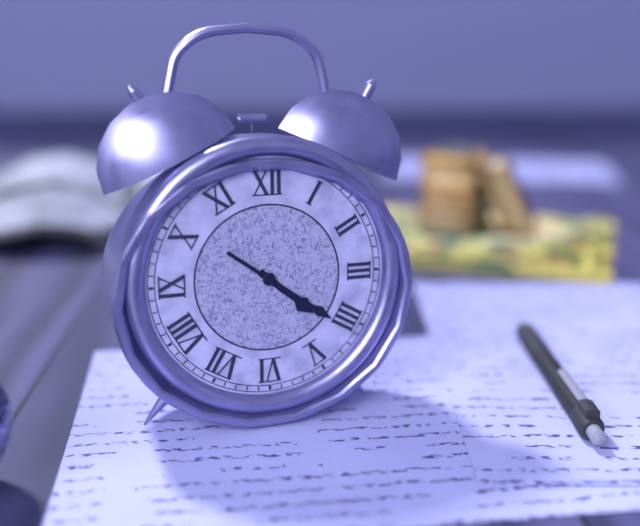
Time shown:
**4:21**
